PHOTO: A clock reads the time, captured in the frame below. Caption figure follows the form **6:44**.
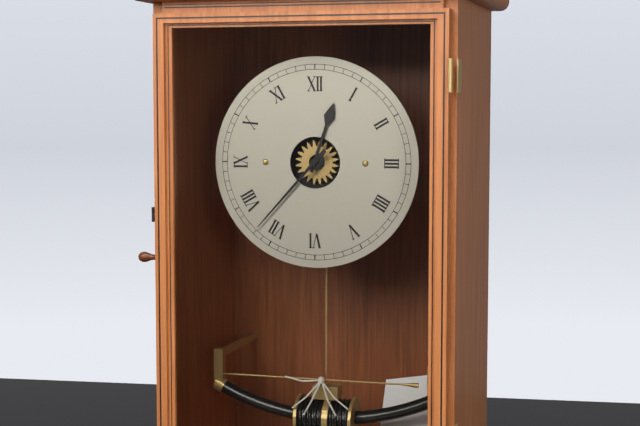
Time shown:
**12:37**
